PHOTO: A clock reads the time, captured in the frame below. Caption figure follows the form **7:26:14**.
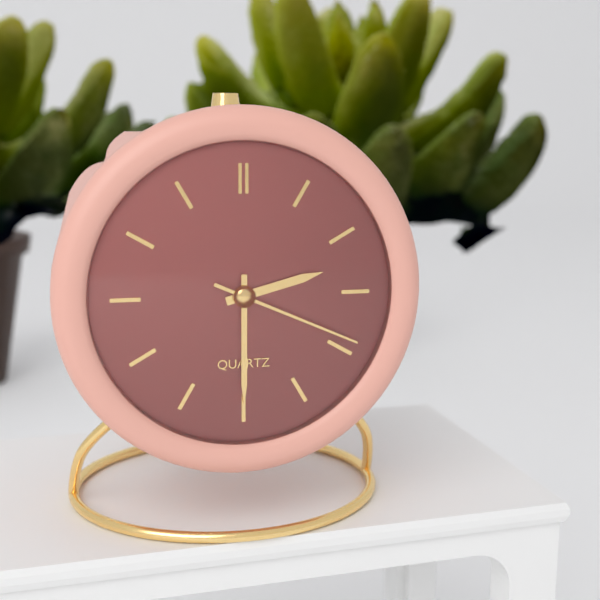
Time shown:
**2:30:19**
